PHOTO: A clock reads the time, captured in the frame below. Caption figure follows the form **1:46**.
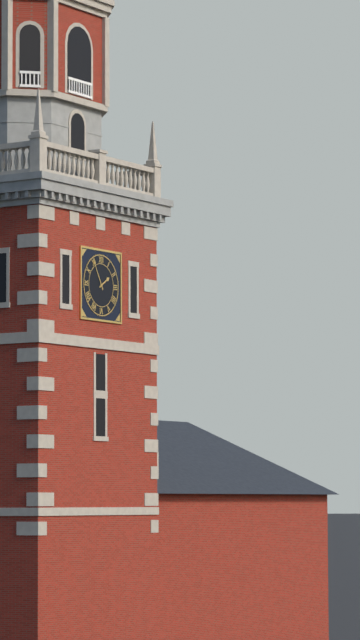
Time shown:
**1:55**
